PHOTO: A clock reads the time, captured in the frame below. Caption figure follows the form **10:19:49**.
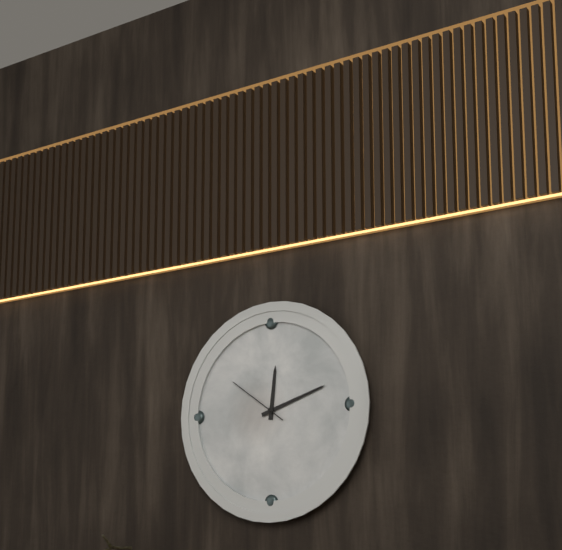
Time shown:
**12:12:51**
